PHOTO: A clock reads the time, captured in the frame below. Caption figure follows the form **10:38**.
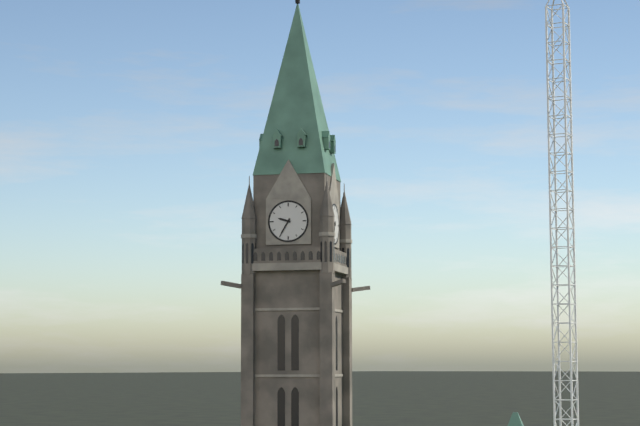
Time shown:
**9:35**
